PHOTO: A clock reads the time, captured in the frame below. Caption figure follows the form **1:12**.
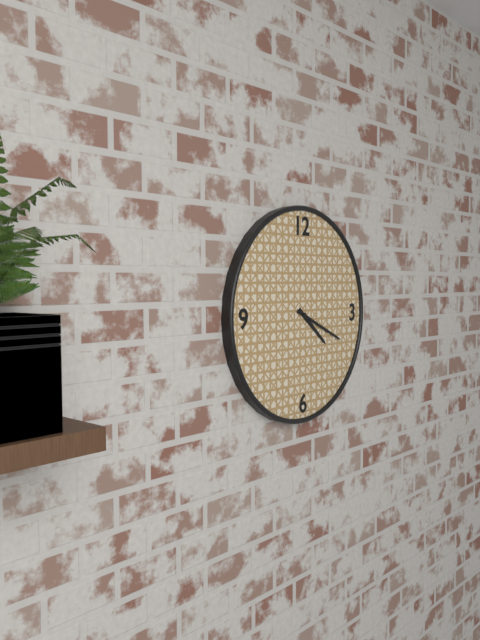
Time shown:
**4:19**
